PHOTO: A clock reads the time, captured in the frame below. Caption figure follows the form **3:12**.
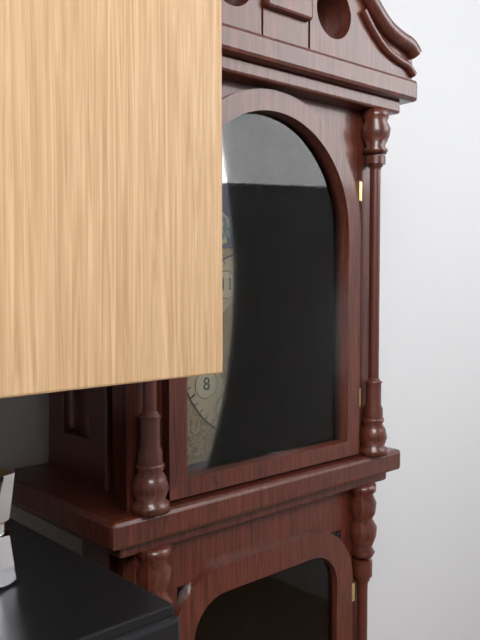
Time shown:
**3:35**
